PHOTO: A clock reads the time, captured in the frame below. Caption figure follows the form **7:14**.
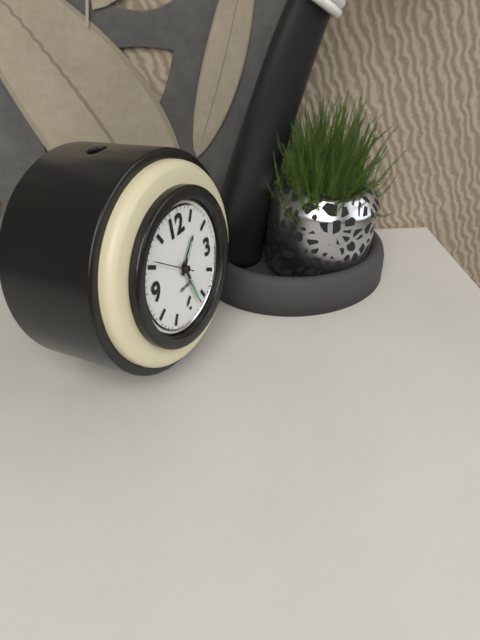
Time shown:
**1:27**
